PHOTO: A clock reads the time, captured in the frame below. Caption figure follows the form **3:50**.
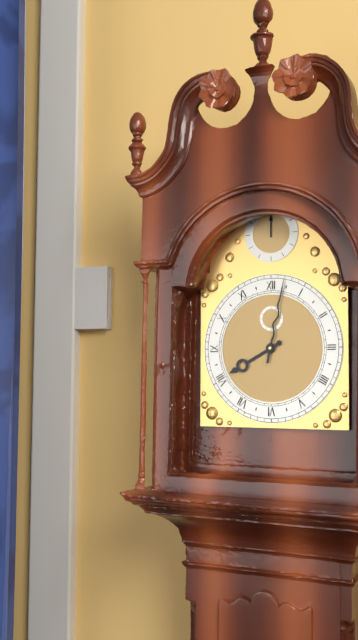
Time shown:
**8:02**
